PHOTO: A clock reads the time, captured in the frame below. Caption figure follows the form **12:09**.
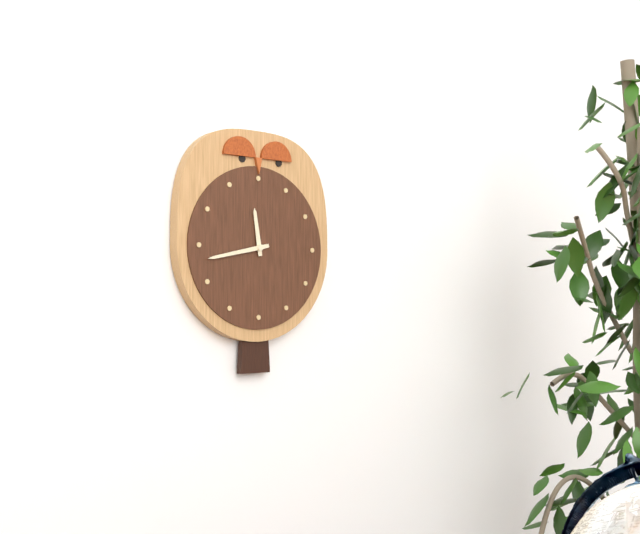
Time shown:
**11:43**
